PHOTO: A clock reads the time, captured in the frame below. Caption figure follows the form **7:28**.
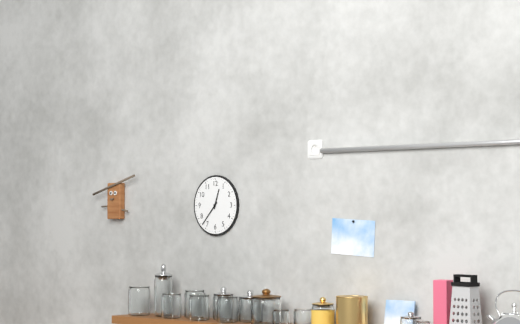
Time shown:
**12:37**
